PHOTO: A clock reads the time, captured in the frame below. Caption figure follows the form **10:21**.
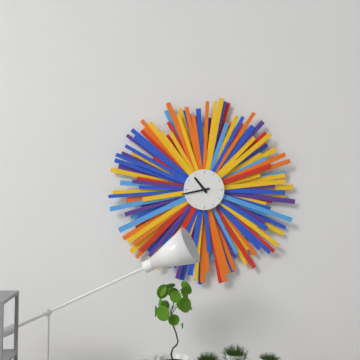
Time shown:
**10:43**
